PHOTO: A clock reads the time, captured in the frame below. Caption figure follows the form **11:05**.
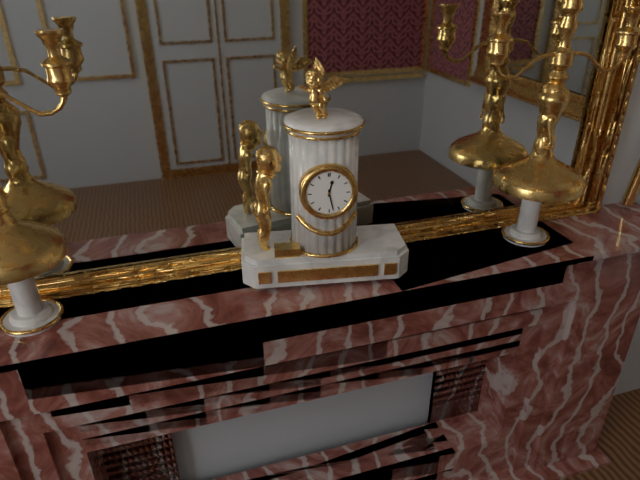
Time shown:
**12:28**
